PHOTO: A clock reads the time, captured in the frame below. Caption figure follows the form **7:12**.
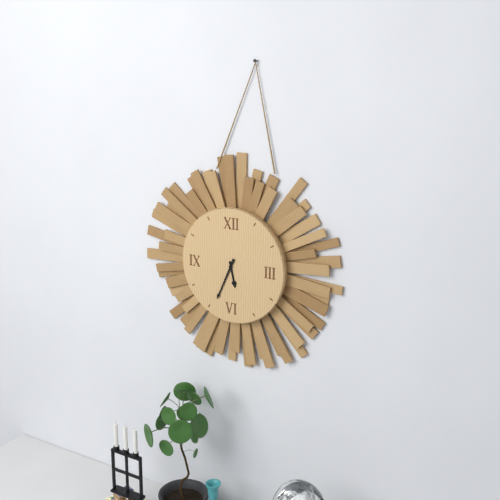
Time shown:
**5:34**
